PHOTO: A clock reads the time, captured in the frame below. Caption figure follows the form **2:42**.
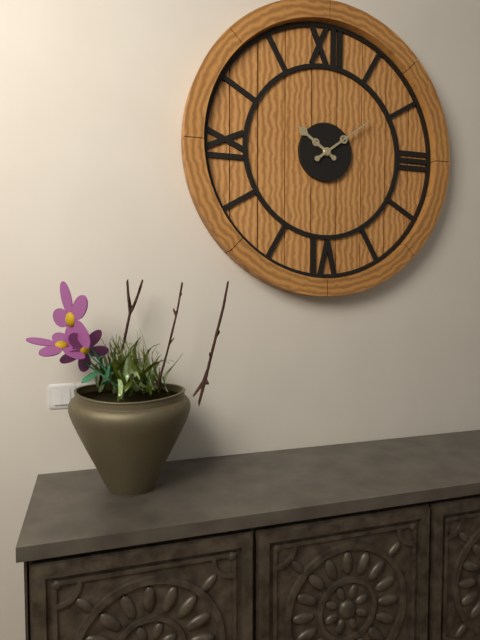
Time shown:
**10:09**
